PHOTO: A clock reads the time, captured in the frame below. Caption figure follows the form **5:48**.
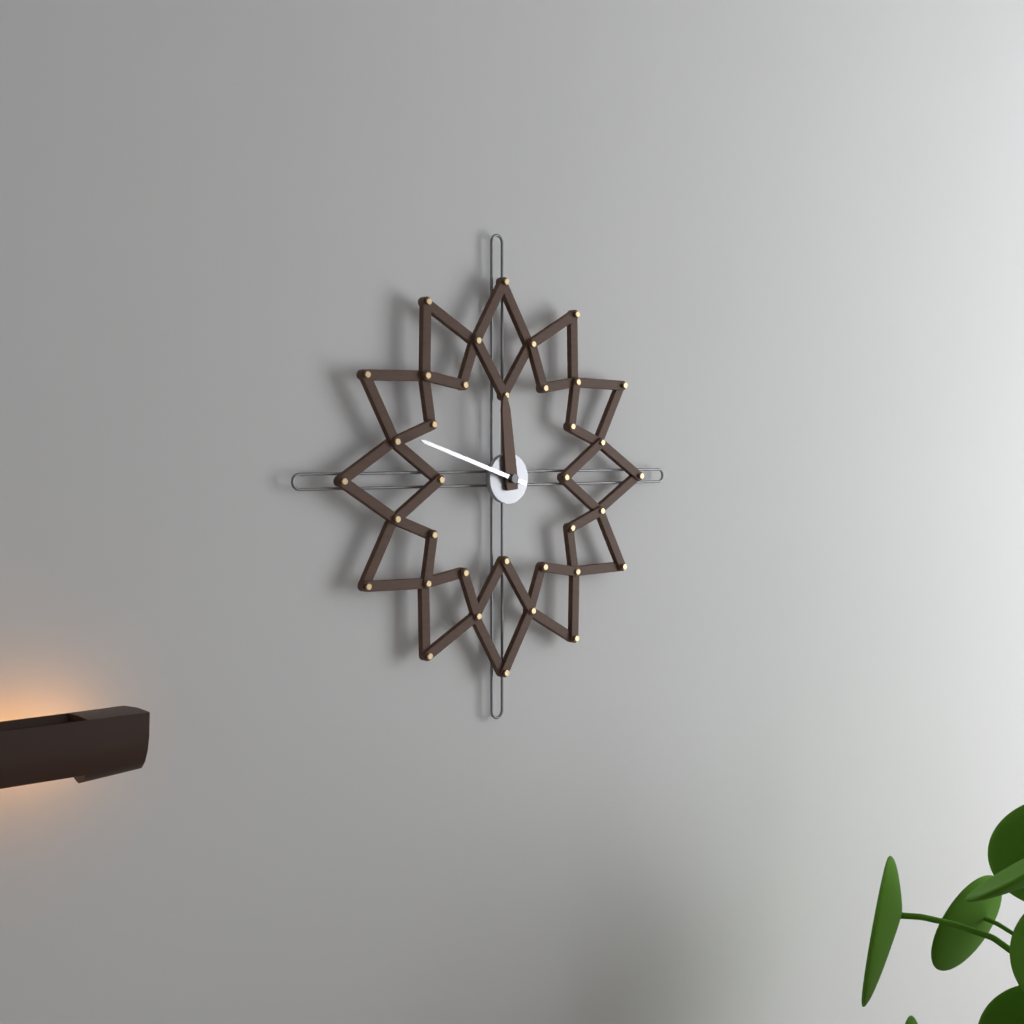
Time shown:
**11:48**
